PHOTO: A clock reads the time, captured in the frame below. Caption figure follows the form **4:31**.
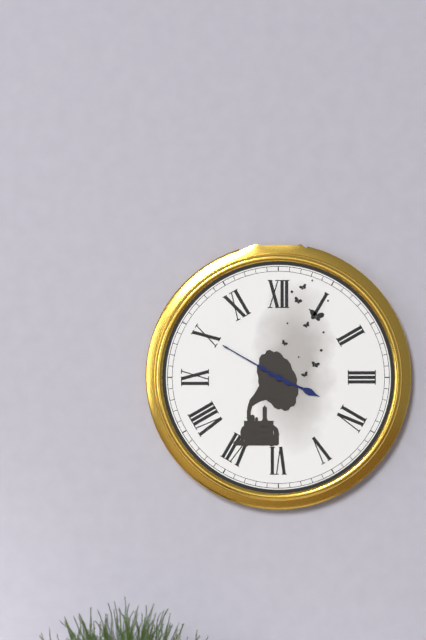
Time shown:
**3:50**
